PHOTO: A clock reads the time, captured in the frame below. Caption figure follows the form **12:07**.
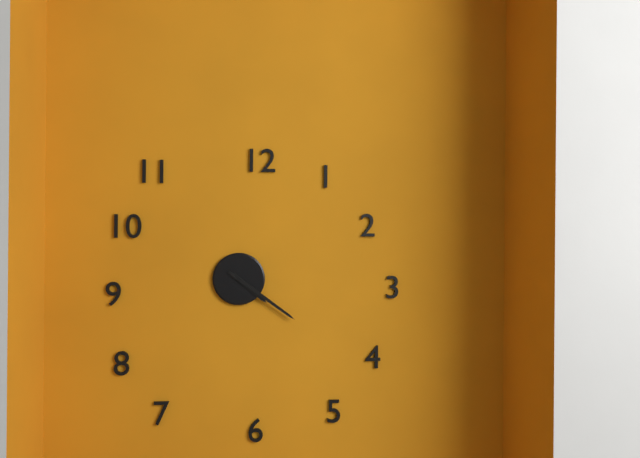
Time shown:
**4:21**
